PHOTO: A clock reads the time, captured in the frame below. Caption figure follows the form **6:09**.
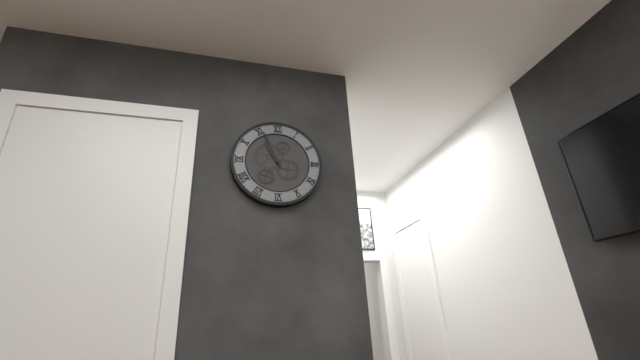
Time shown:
**10:56**
